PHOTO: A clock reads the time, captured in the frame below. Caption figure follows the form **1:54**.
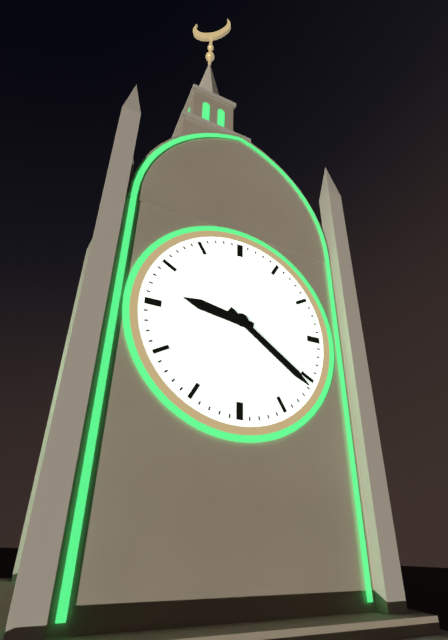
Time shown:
**9:21**
